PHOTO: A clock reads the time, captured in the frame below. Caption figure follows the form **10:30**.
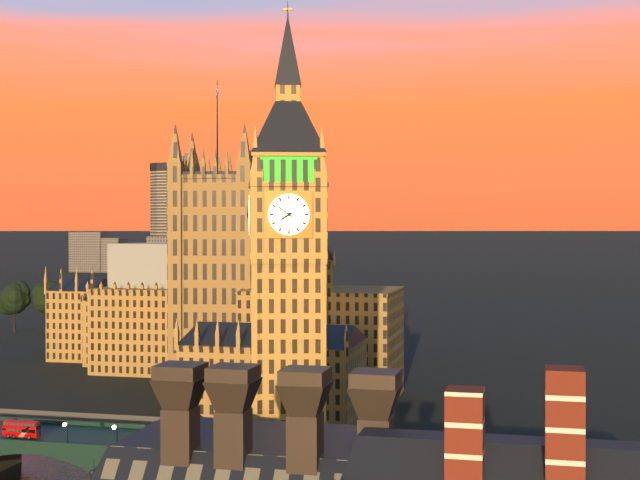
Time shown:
**7:51**
